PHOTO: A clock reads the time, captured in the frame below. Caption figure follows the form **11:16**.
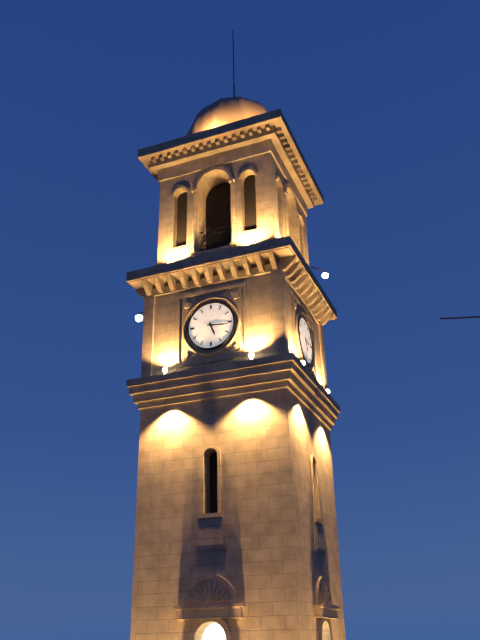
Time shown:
**5:16**
